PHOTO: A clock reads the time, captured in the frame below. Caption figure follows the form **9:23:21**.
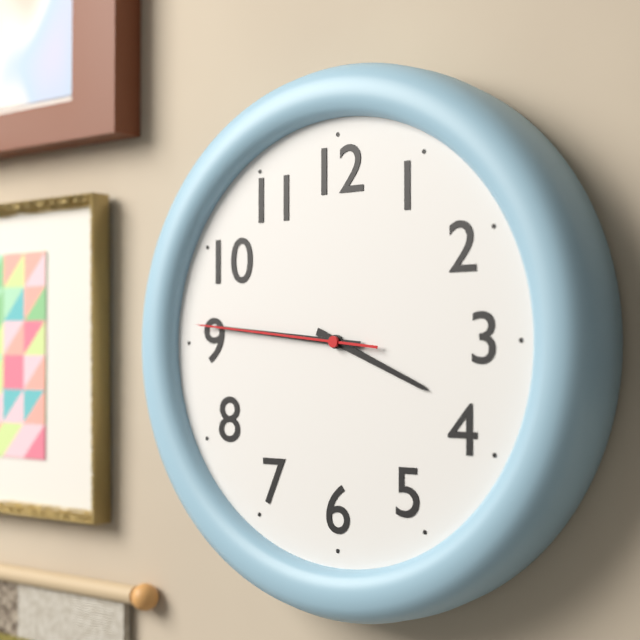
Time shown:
**3:46:46**
